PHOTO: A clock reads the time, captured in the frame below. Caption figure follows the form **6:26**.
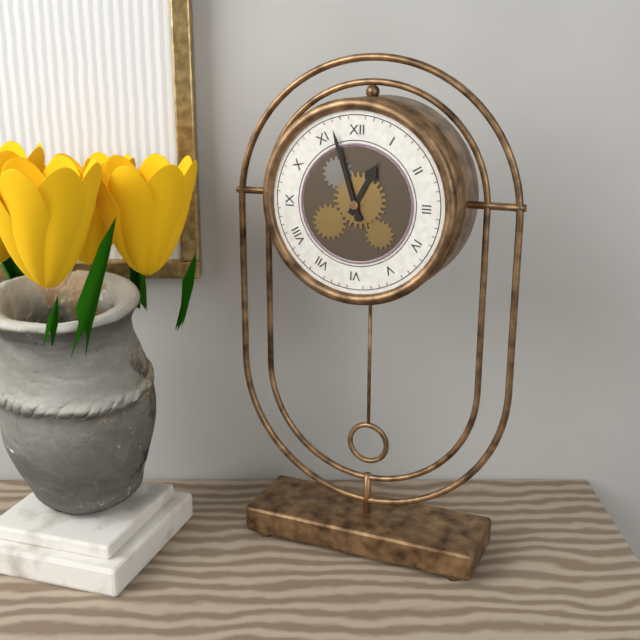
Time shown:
**12:57**
